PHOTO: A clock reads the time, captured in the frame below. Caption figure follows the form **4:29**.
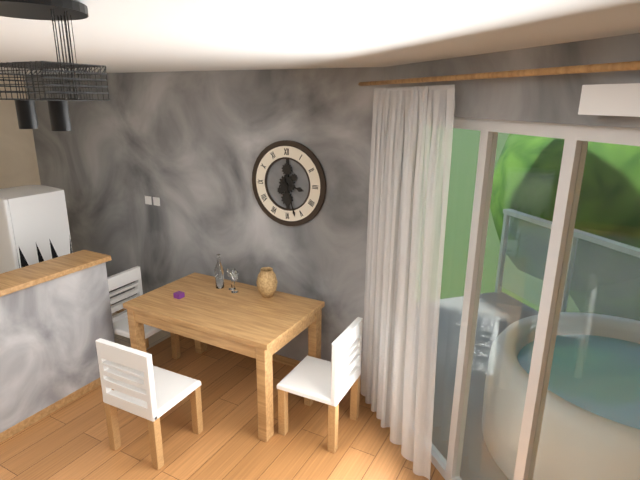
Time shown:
**3:27**
